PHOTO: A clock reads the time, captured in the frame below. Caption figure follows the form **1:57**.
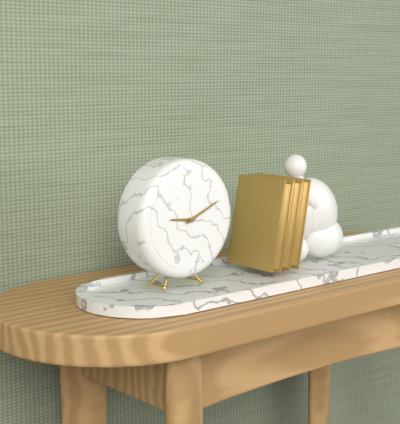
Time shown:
**9:11**
